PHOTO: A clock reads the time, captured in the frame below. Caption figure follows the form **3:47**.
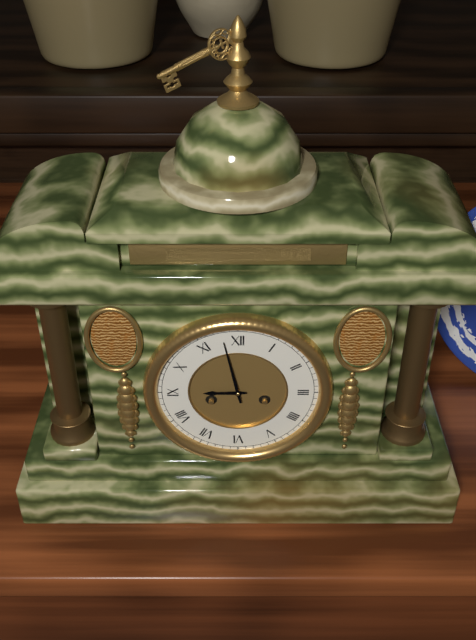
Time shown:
**8:58**
